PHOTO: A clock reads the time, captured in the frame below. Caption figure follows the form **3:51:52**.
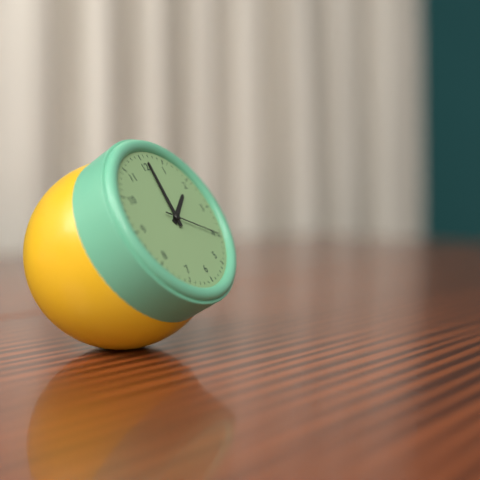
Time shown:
**2:01:20**
